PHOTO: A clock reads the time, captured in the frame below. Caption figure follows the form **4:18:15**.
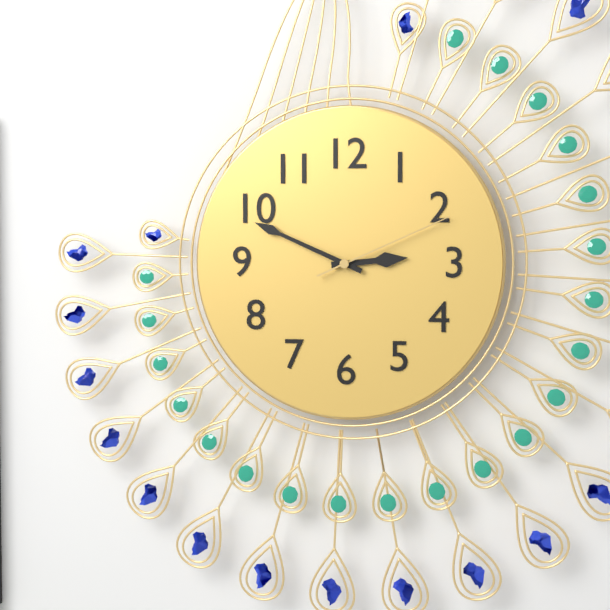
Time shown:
**2:49:11**
